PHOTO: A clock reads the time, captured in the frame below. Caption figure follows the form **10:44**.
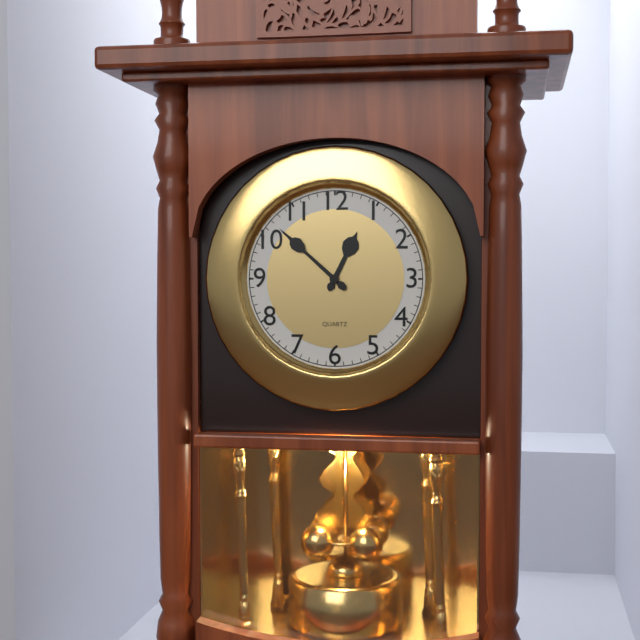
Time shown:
**12:52**
